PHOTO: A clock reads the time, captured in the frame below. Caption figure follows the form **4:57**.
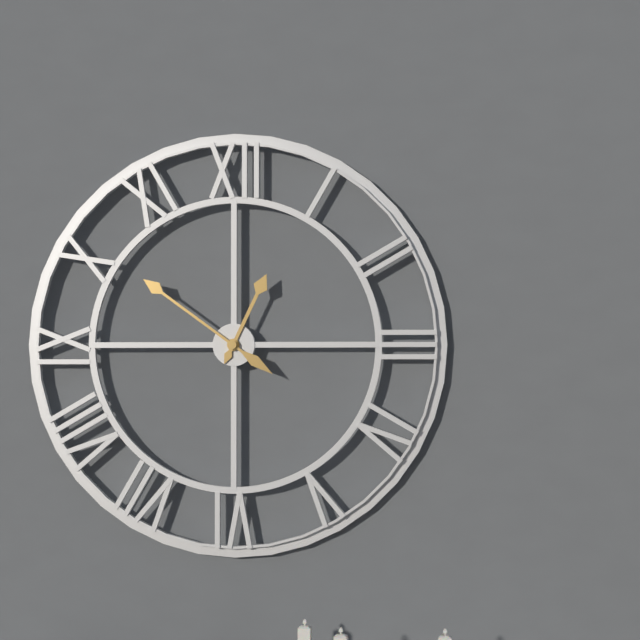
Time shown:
**12:51**
